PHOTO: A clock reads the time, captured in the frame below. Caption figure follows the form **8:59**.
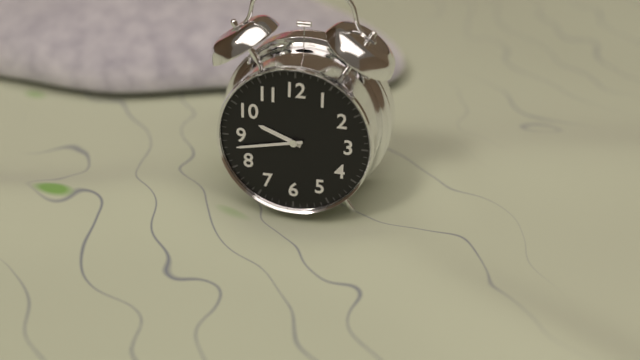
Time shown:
**9:43**
